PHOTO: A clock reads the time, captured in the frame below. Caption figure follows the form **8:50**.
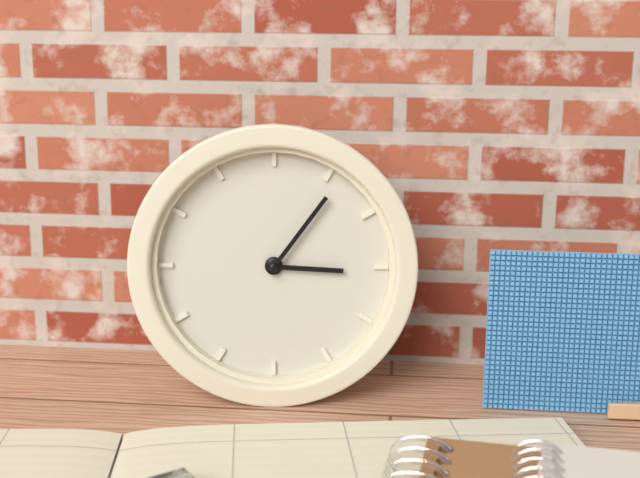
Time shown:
**3:06**
